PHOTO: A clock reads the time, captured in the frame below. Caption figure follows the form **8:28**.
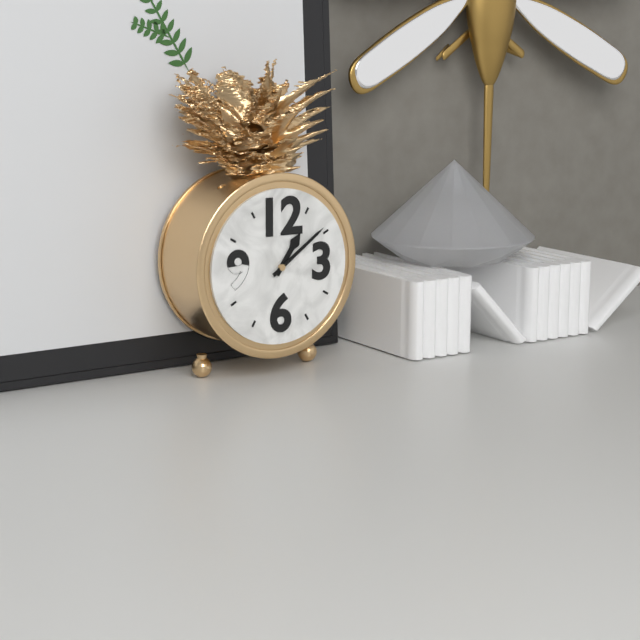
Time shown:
**1:09**
